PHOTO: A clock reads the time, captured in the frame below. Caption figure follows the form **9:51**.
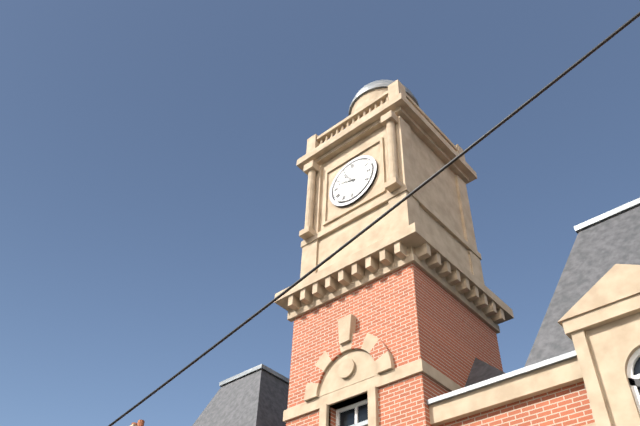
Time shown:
**10:48**
